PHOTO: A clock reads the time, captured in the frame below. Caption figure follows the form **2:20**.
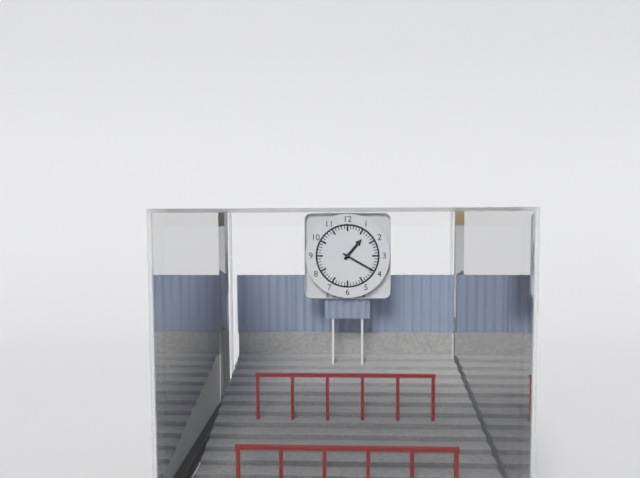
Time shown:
**1:20**
